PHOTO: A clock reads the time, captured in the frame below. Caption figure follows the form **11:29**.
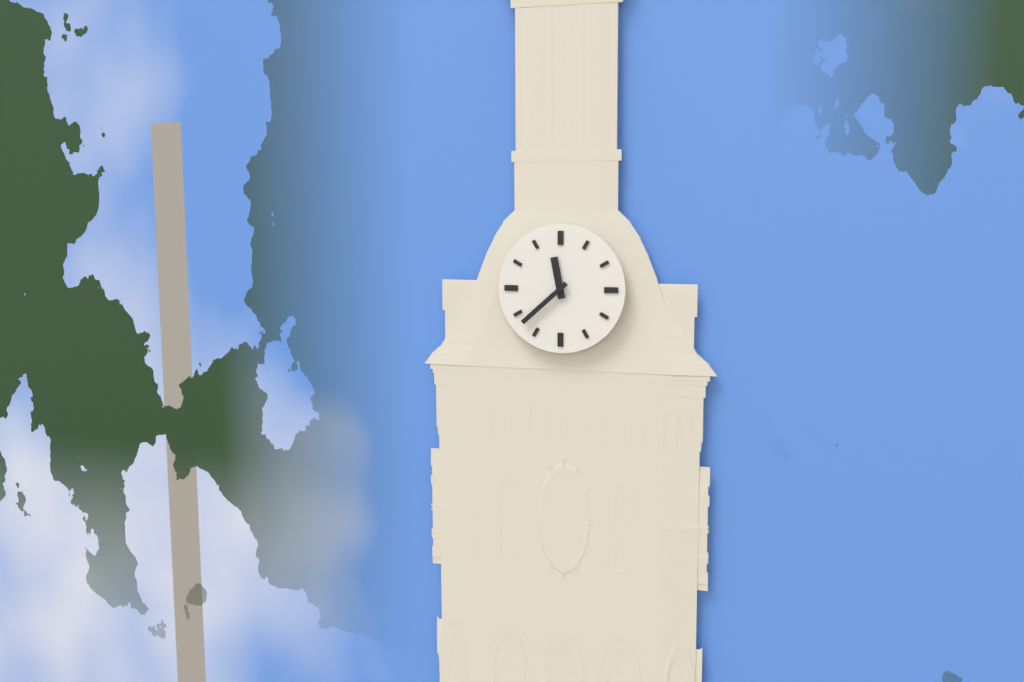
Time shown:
**11:38**
